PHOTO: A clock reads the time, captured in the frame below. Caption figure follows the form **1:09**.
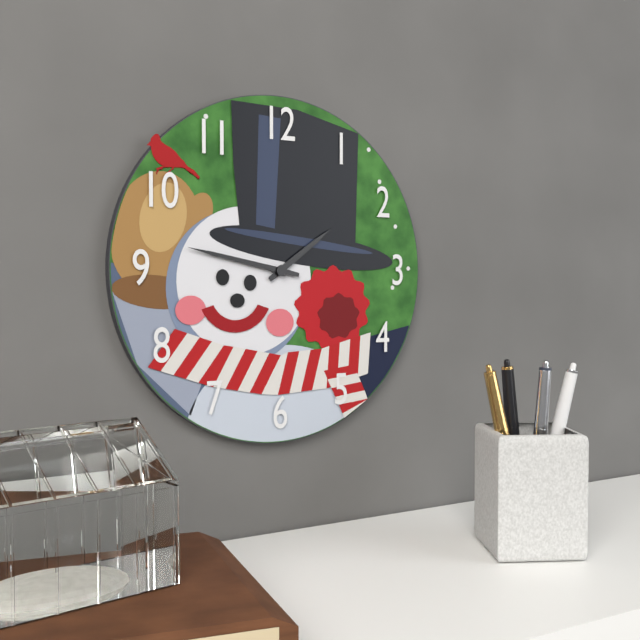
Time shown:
**1:47**
